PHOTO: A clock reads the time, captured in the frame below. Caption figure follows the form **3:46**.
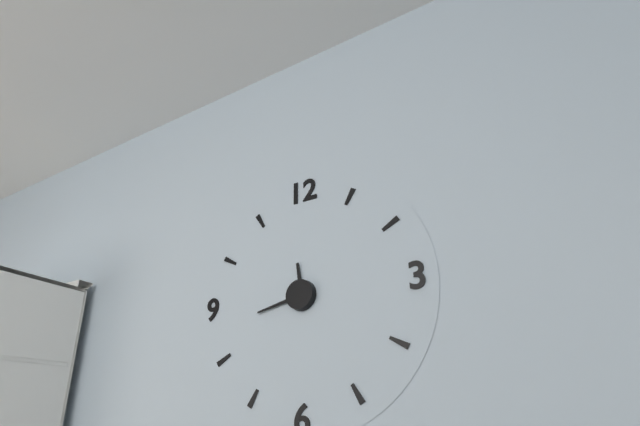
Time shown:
**11:43**
